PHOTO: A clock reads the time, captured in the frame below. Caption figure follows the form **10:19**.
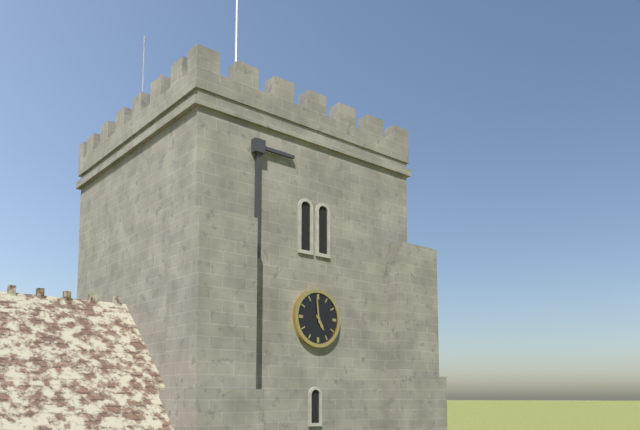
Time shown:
**4:59**
